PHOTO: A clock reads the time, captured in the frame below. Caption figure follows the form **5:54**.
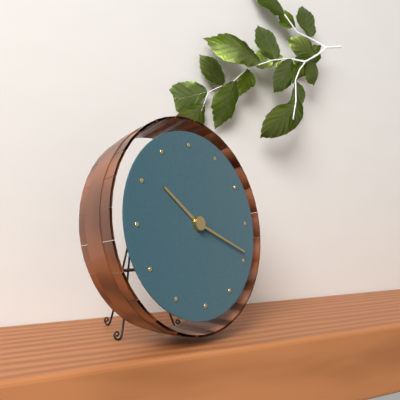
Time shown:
**10:19**
